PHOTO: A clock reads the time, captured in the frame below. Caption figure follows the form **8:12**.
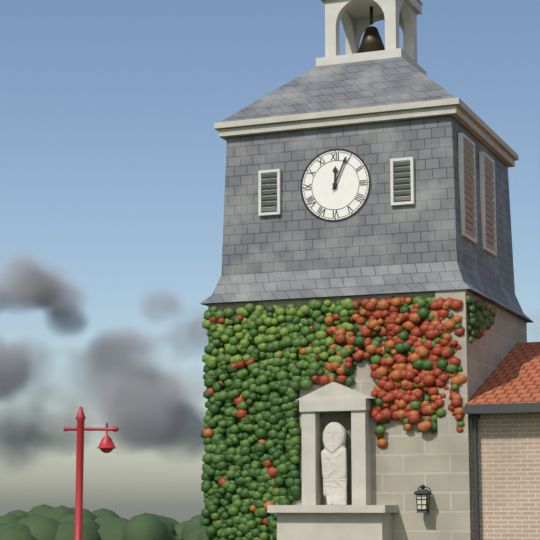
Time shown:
**12:04**
